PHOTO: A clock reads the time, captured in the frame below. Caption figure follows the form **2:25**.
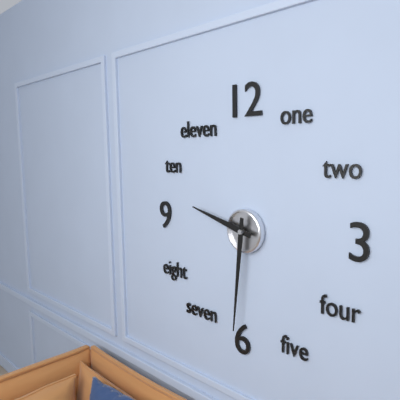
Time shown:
**9:31**
